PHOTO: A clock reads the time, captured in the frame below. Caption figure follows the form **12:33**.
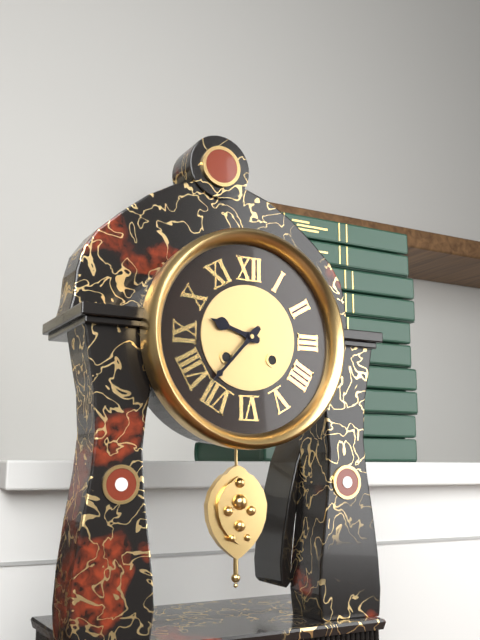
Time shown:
**9:37**
